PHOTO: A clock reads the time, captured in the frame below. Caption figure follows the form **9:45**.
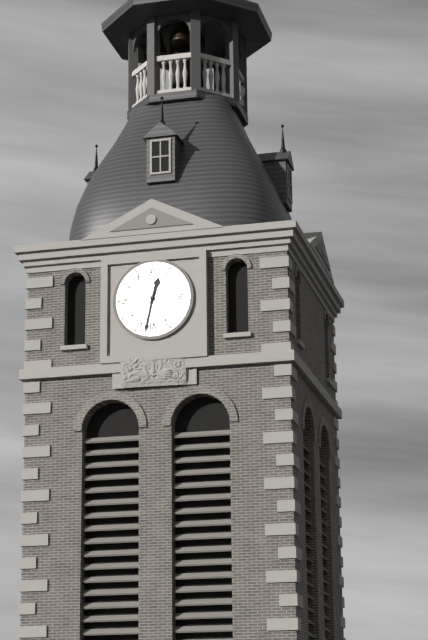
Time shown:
**12:32**
